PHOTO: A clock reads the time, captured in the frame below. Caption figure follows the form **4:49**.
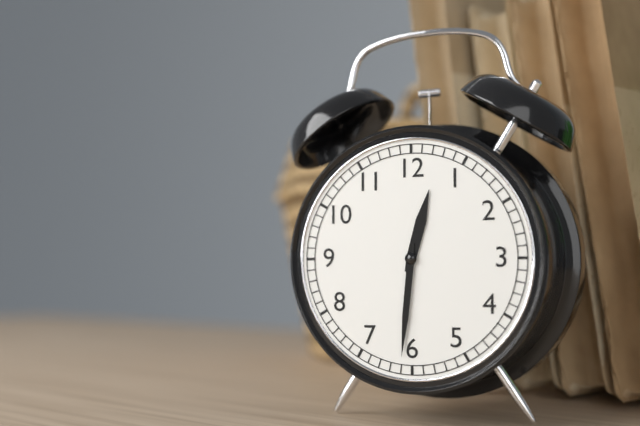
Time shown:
**12:31**
